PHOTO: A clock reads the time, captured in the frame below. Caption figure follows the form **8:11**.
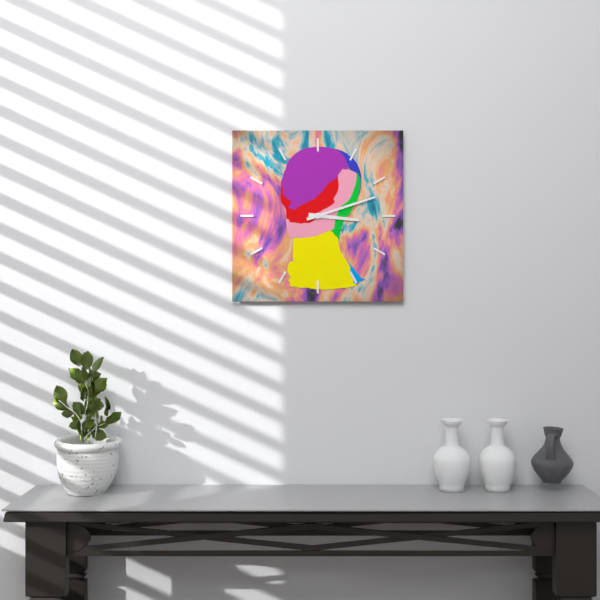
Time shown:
**3:12**
